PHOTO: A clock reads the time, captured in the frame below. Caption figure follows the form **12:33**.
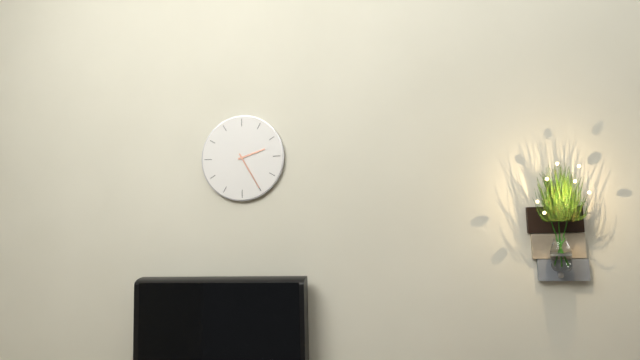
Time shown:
**2:25**
